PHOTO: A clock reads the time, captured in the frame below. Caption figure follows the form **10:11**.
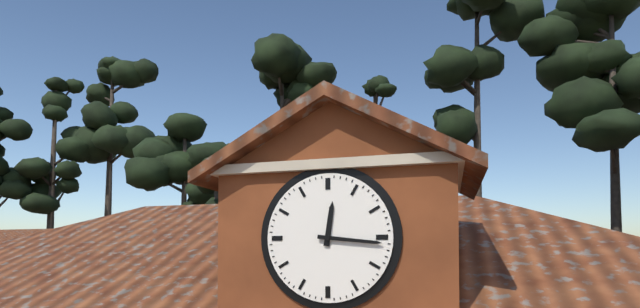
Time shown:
**12:16**
